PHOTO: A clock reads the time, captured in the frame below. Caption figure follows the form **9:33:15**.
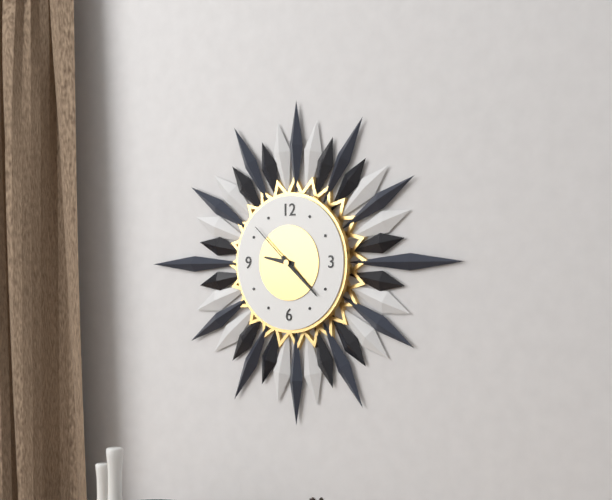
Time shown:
**9:22:52**
